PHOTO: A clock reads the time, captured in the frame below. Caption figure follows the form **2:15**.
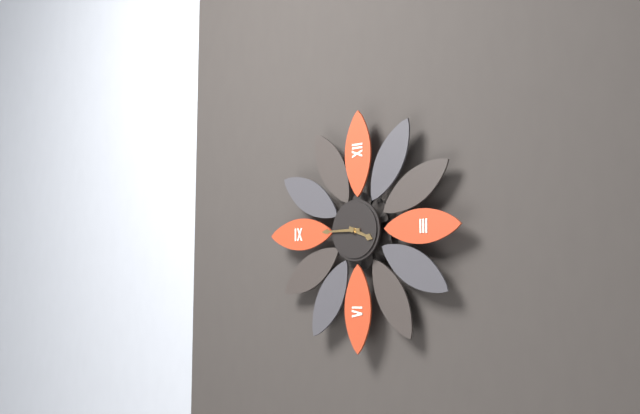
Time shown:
**3:45**
